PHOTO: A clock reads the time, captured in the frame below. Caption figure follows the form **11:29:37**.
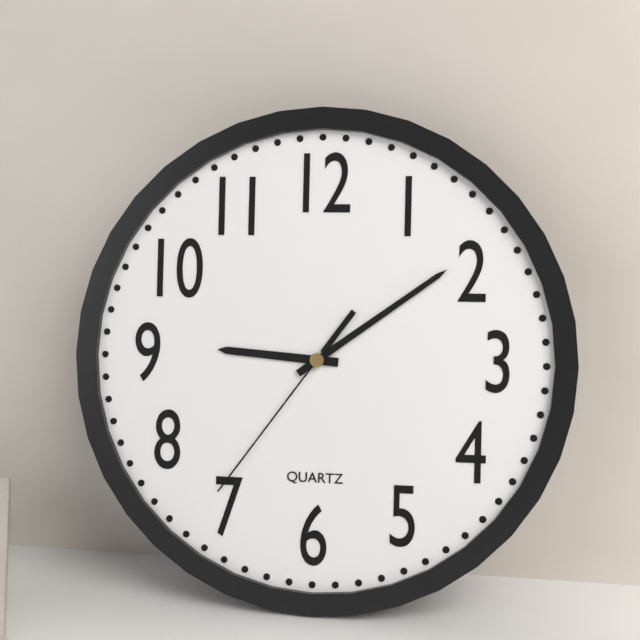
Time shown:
**9:09:36**
